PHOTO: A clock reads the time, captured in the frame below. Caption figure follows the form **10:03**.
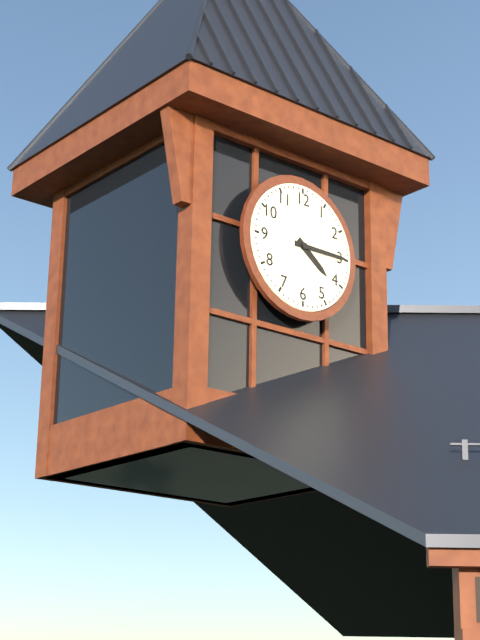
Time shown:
**4:15**
